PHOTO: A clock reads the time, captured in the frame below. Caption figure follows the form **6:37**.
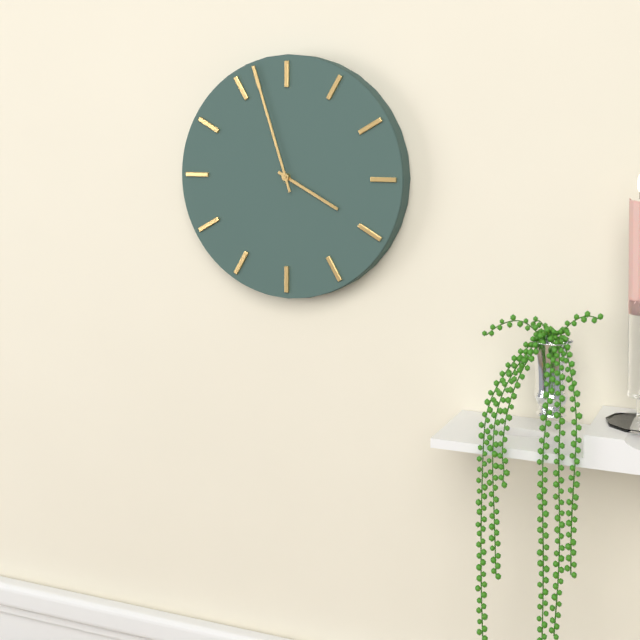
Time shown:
**3:57**
